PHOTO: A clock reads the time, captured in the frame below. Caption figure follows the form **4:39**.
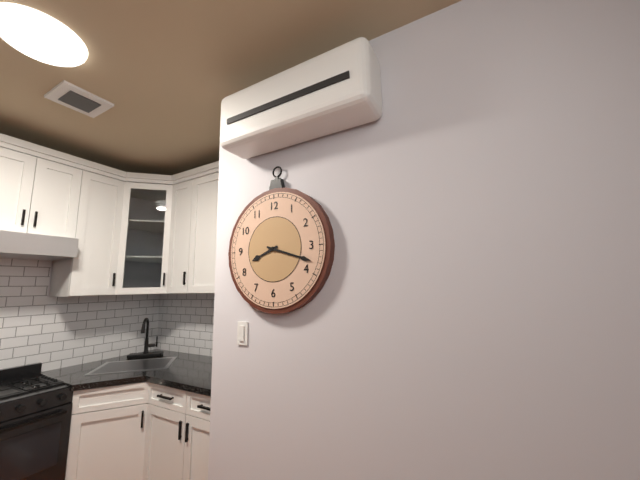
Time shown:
**8:18**
